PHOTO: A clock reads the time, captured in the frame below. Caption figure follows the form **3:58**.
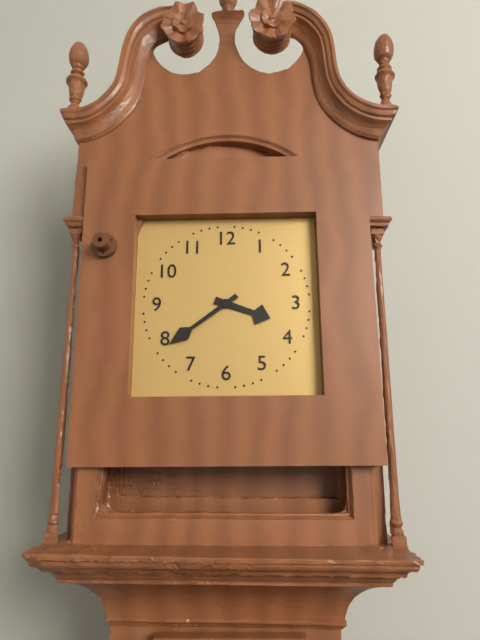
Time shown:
**3:39**
